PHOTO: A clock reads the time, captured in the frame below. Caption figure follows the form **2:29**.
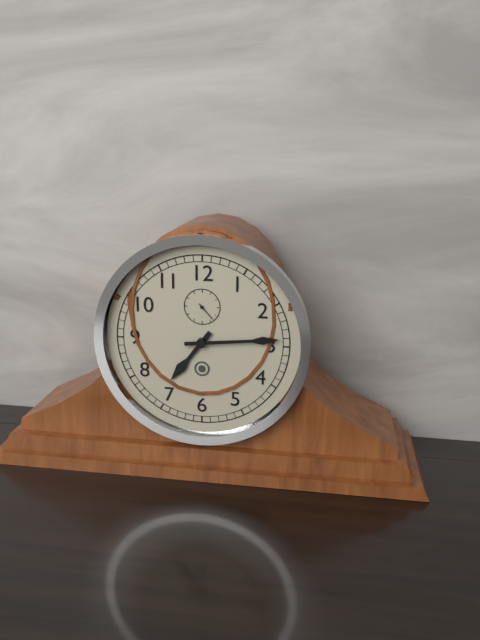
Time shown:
**7:14**
